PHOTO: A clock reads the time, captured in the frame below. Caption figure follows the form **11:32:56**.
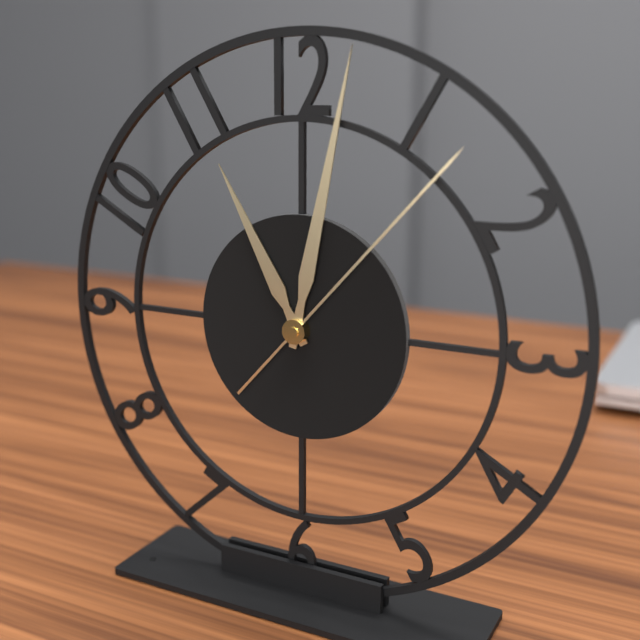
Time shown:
**11:02:07**
